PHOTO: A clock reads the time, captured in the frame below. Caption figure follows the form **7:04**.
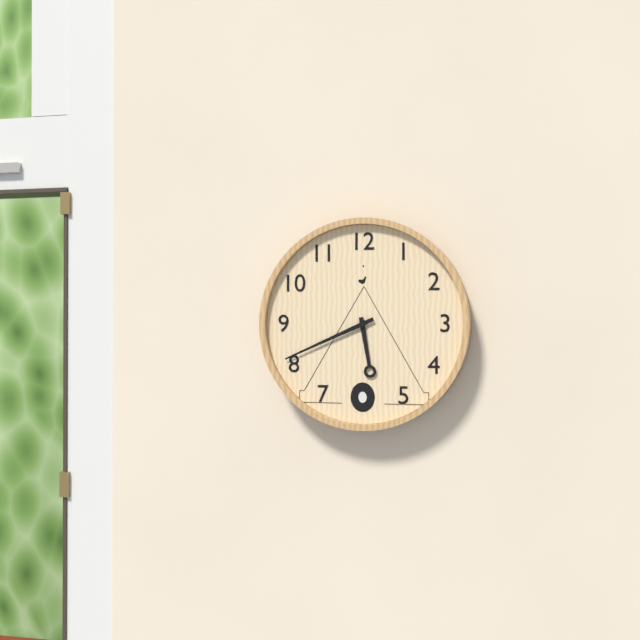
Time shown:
**5:41**
